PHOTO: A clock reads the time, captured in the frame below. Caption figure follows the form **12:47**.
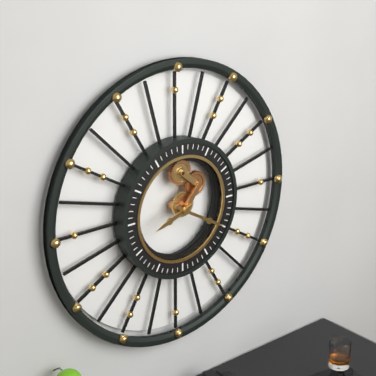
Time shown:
**8:20**
